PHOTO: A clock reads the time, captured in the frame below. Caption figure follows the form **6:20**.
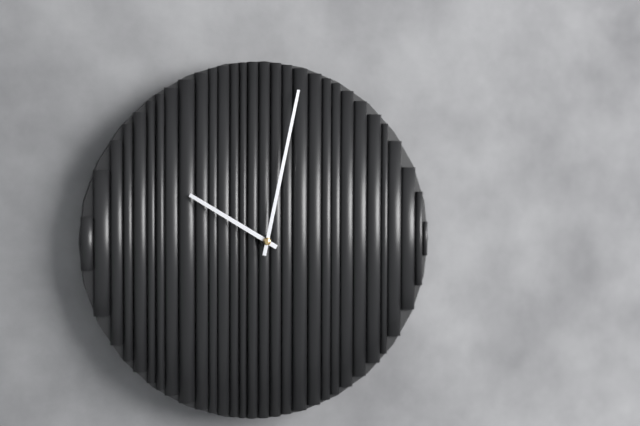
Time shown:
**10:02**
